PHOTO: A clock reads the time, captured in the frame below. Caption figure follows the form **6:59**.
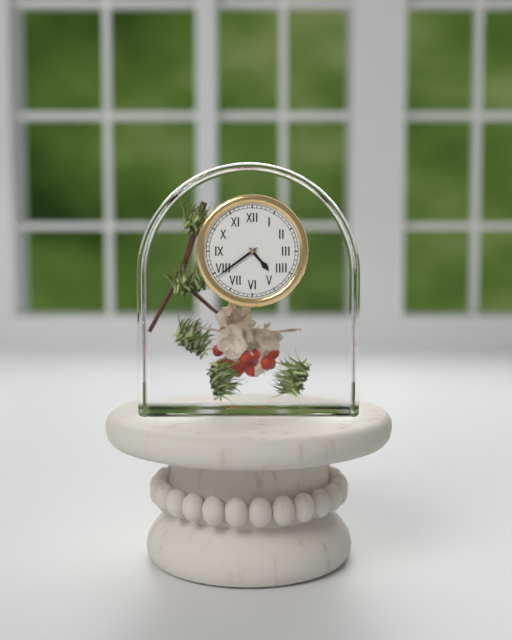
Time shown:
**4:39**
